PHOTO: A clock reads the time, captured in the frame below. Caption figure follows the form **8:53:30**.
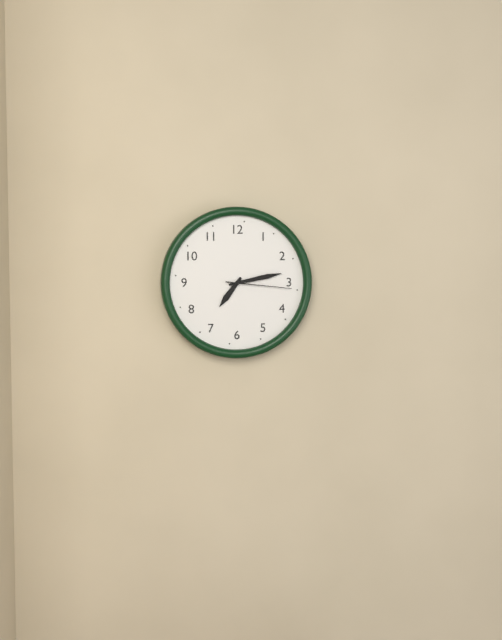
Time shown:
**7:13:16**
